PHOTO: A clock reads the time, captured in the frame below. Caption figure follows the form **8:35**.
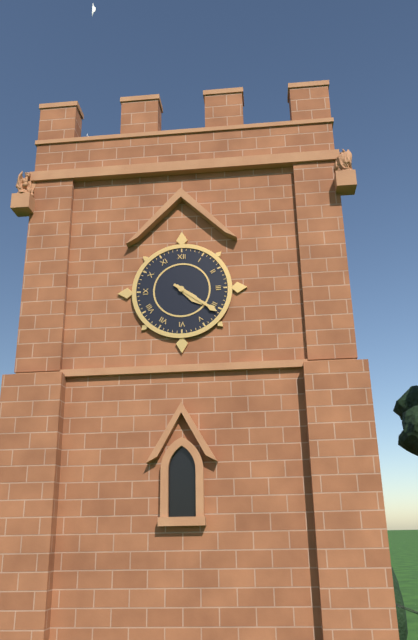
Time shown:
**4:21**
